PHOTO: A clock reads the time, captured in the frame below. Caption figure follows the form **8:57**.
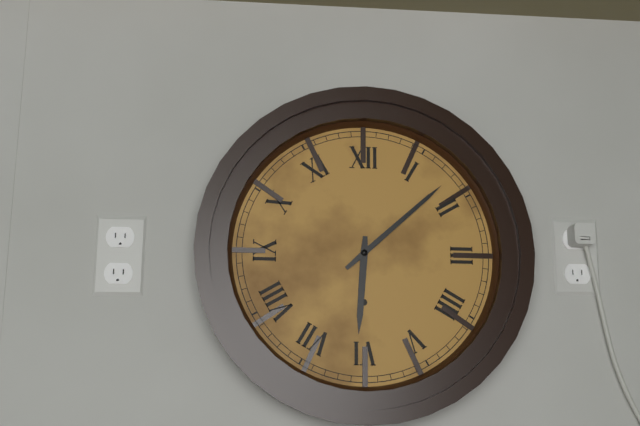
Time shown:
**6:08**
